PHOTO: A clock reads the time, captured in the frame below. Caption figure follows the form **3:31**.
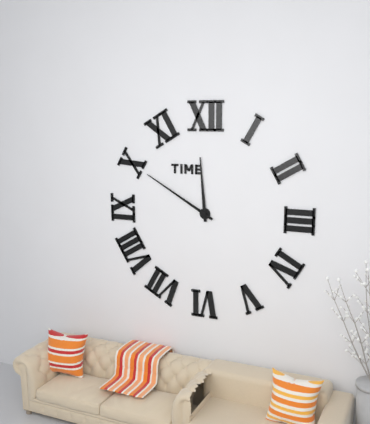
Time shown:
**11:50**
